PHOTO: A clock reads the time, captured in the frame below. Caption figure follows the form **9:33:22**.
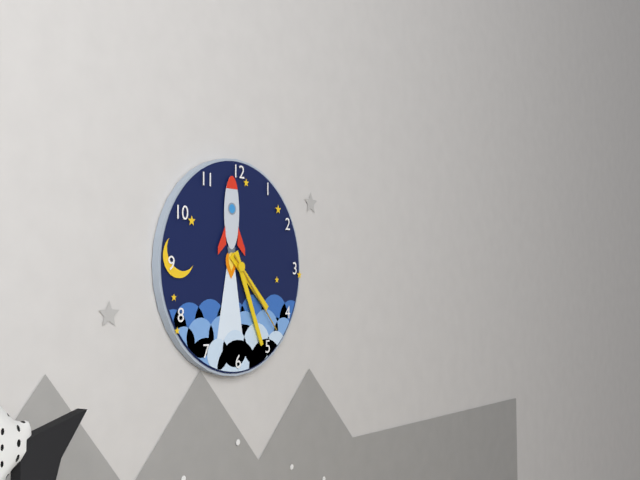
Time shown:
**4:26:23**
